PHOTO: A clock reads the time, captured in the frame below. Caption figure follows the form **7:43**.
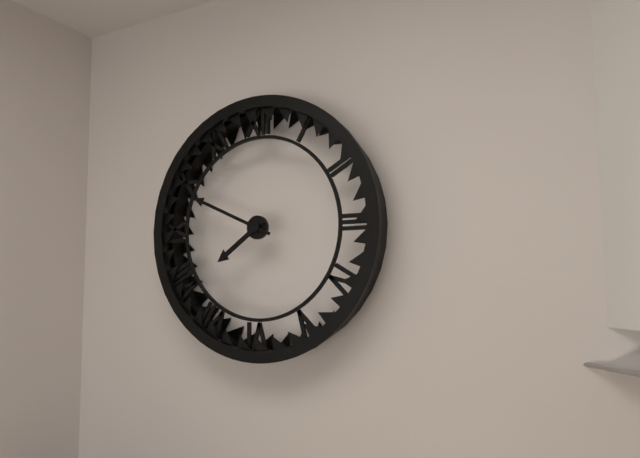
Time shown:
**7:49**
